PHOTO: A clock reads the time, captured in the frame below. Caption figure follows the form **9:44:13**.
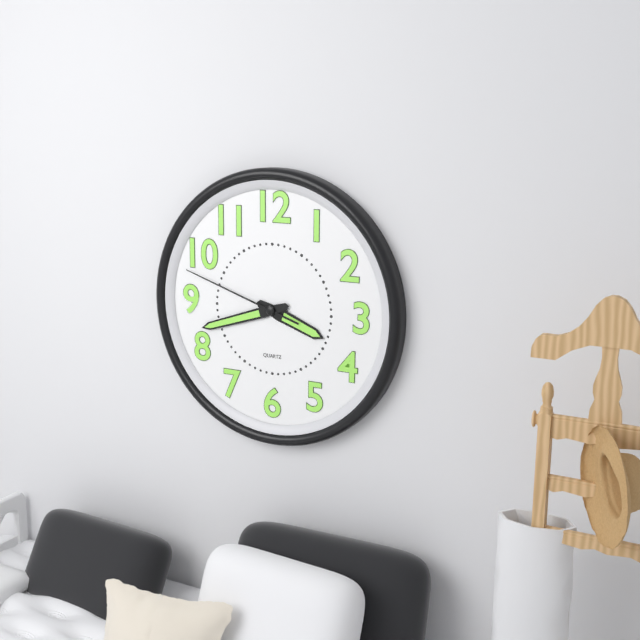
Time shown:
**3:42:48**
